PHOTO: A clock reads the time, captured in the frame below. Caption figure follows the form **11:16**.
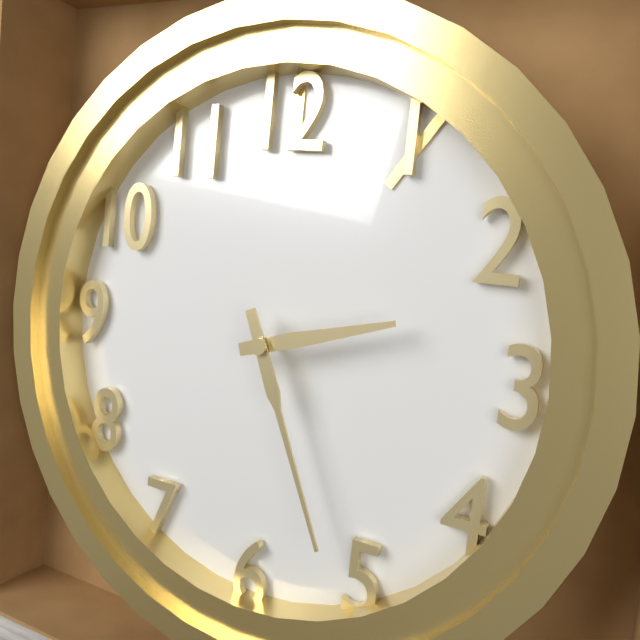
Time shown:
**2:26**
